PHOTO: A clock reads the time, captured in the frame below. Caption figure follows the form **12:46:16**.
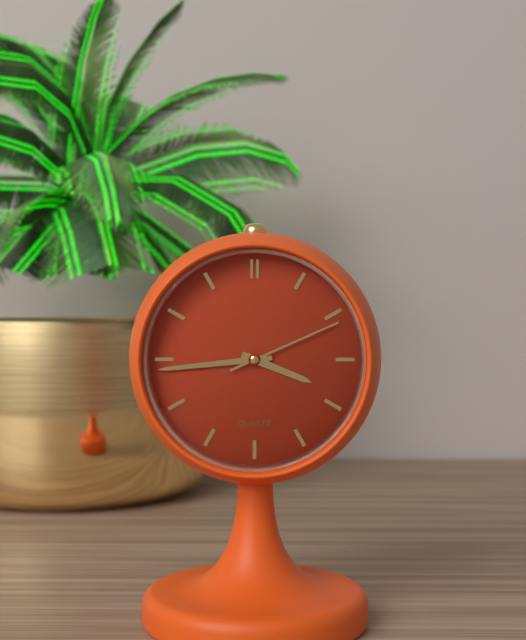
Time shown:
**3:44:11**
